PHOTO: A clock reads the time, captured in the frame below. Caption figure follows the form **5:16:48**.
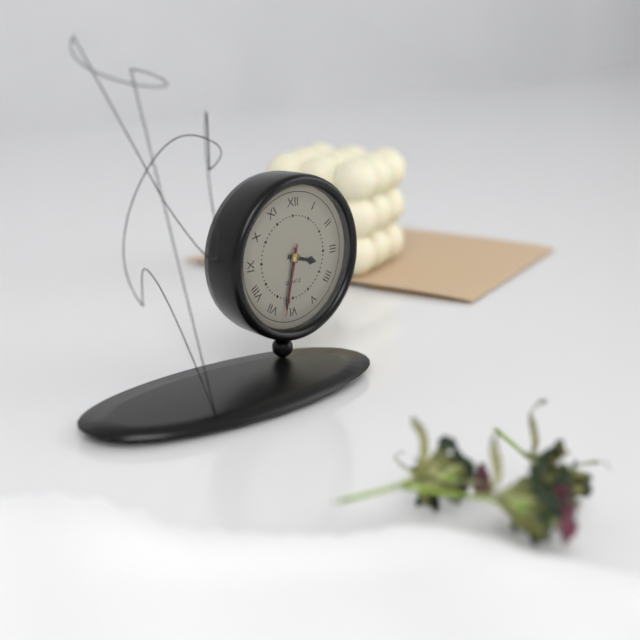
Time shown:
**3:32:32**
